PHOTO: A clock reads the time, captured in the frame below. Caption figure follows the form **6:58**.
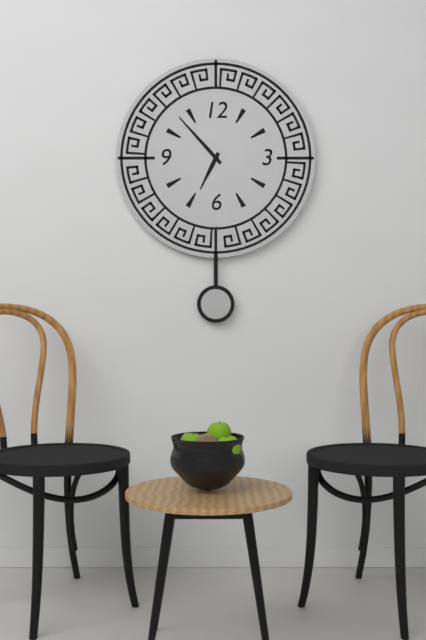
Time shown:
**6:53**
